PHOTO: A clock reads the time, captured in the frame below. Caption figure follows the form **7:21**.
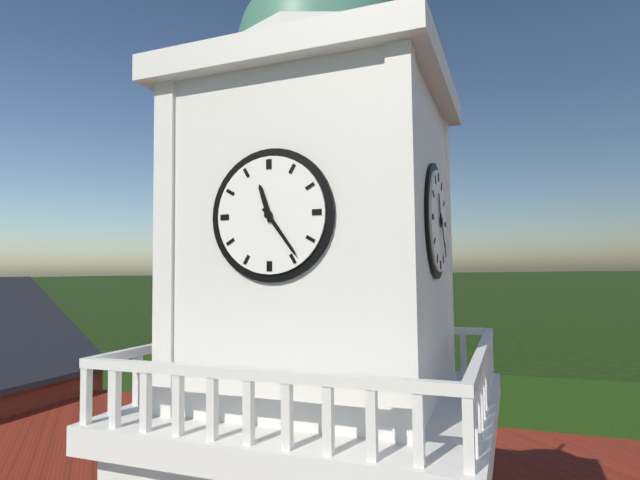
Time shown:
**11:24**
